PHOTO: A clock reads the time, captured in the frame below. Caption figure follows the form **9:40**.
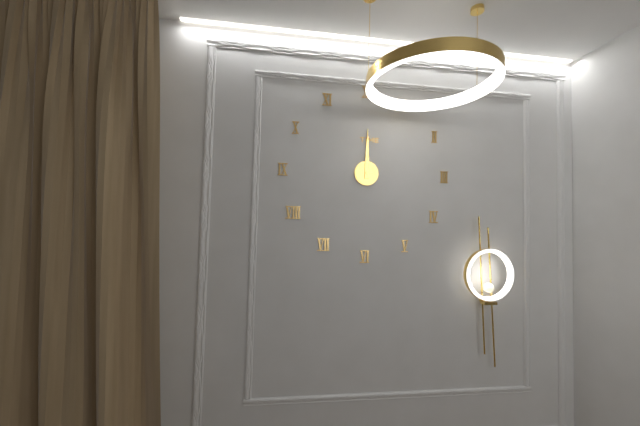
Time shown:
**12:00**
